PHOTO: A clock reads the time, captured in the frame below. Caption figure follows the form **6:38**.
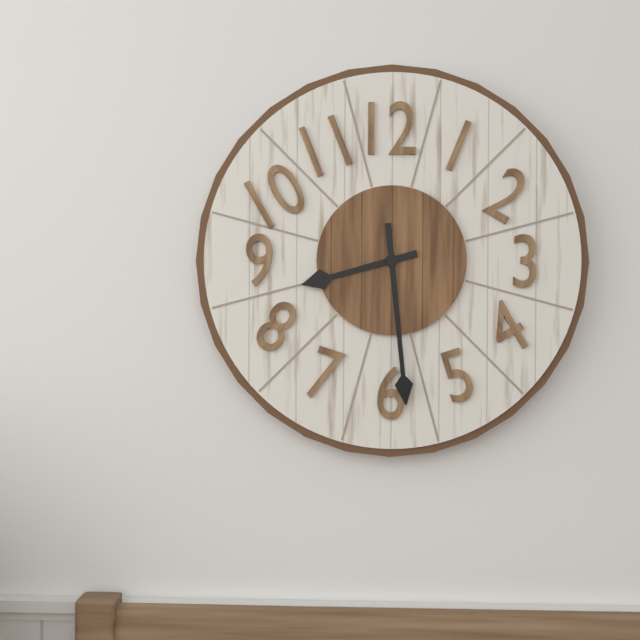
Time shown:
**8:29**
